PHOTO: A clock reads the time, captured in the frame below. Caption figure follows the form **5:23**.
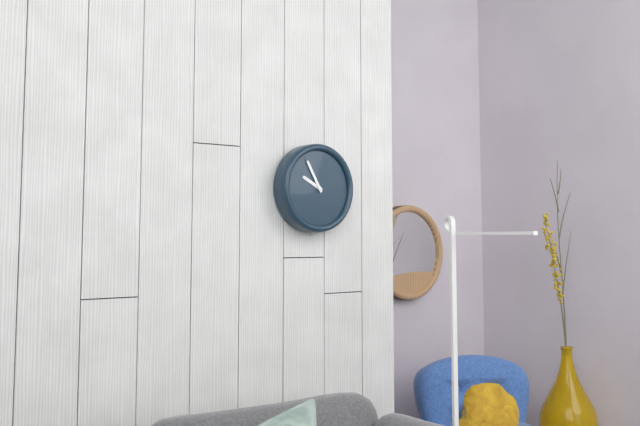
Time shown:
**9:55**
